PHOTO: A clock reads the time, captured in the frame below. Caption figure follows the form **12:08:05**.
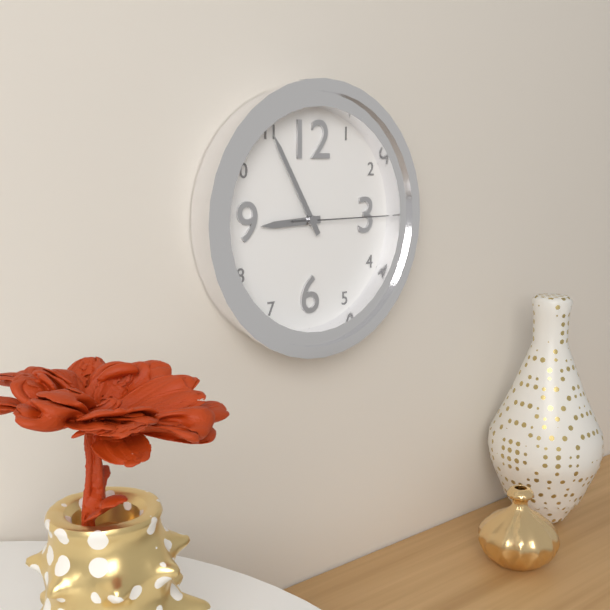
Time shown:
**8:55:15**
